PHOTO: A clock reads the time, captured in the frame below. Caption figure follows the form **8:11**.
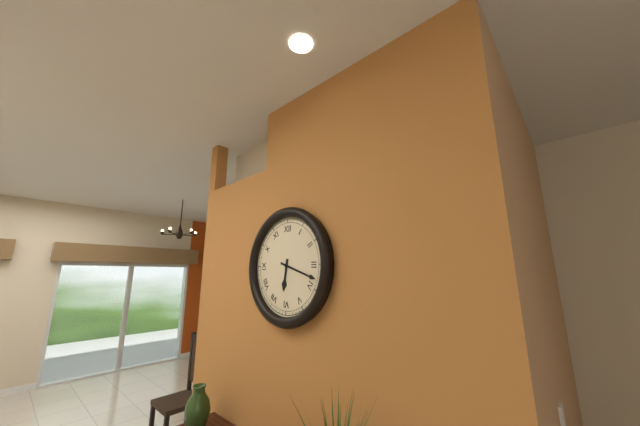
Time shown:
**6:18**
